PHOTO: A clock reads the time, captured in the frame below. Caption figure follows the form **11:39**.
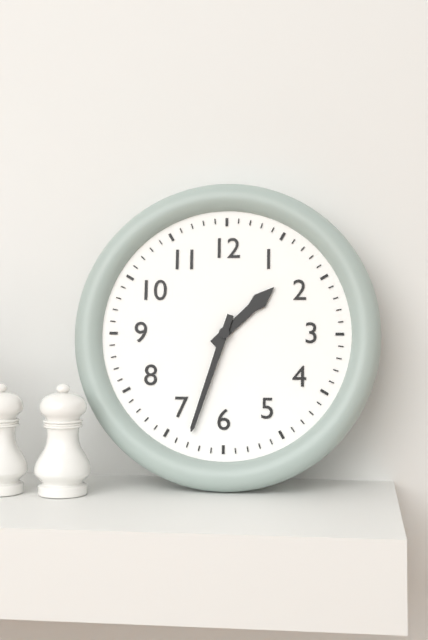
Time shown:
**1:33**
